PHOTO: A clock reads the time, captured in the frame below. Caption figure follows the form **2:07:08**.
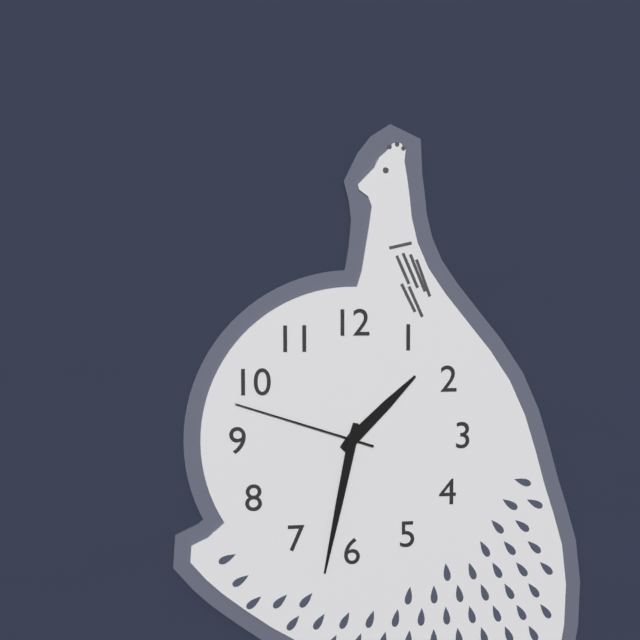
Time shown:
**1:32:48**
